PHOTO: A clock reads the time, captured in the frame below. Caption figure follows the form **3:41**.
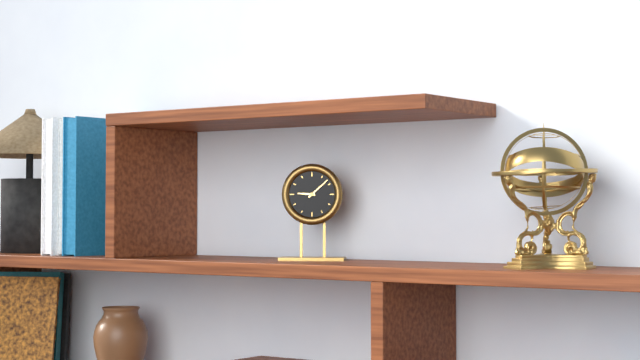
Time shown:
**9:08**
